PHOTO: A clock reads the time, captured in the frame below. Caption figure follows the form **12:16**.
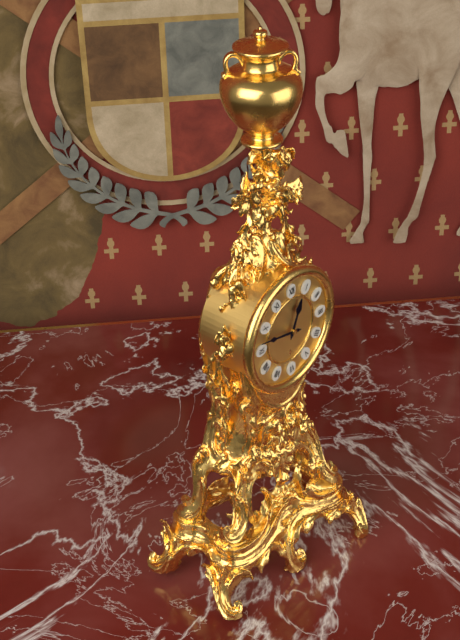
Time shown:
**12:47**
